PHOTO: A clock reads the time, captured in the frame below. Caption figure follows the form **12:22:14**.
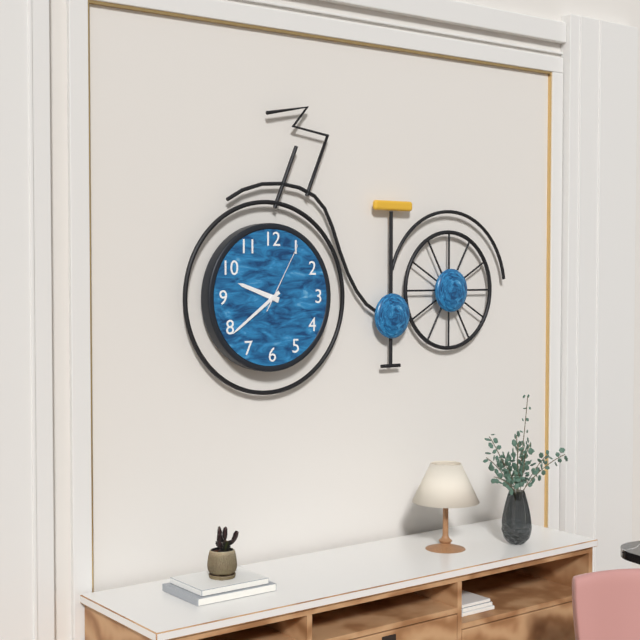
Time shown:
**9:39:05**
